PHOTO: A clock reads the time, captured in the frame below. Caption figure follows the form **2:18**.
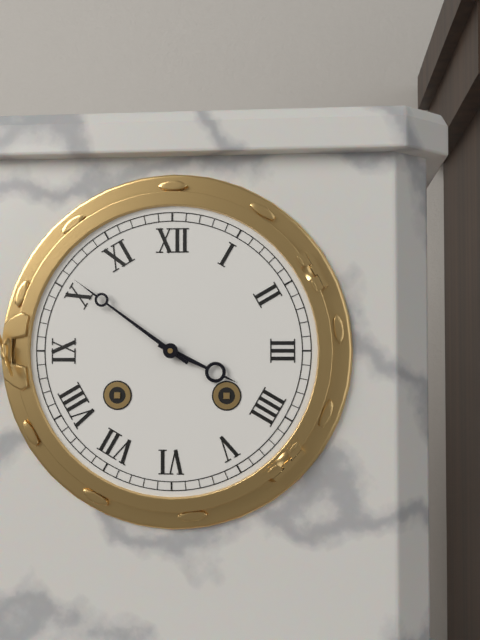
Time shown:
**3:51**
